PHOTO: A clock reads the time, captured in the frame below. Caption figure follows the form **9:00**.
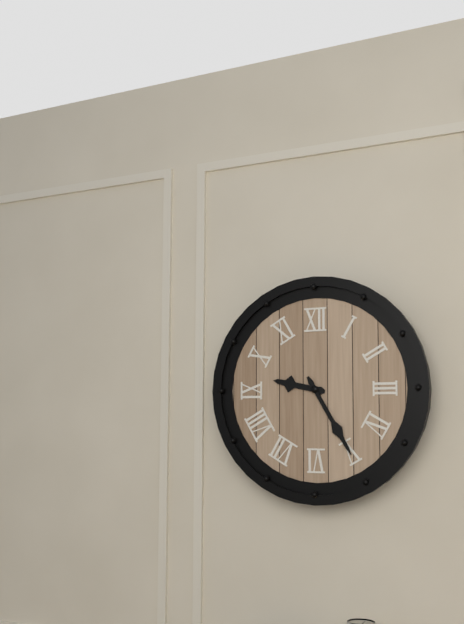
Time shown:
**9:25**
